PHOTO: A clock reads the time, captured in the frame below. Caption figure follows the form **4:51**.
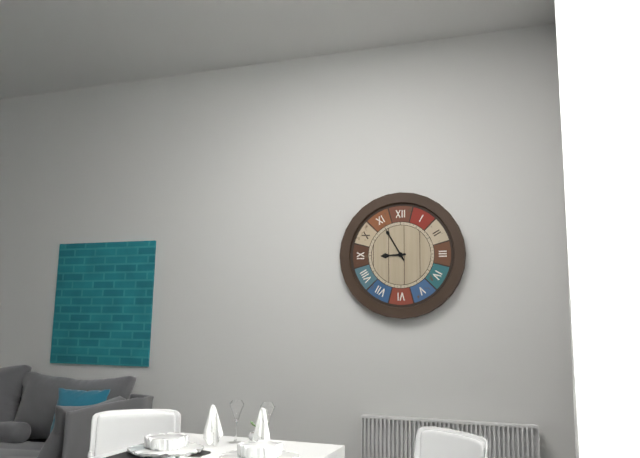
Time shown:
**8:55**
